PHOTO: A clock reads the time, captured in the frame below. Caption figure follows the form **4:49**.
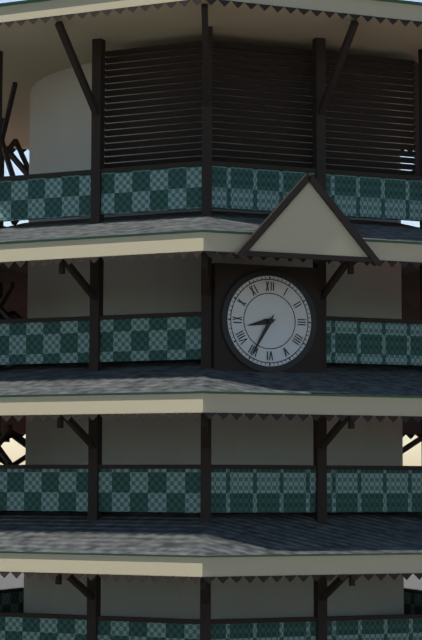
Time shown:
**8:35**
